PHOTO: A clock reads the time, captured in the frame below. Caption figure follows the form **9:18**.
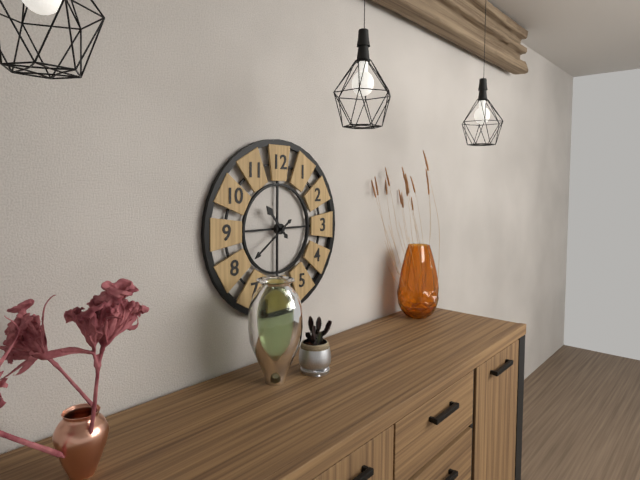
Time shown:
**10:39**
